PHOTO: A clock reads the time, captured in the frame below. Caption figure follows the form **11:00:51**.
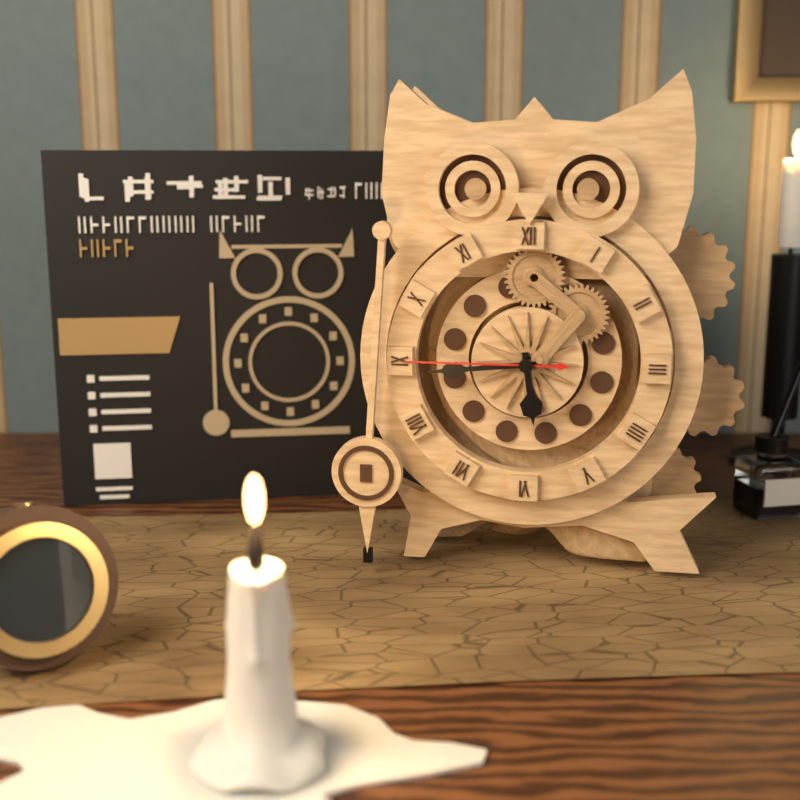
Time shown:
**5:44:45**
